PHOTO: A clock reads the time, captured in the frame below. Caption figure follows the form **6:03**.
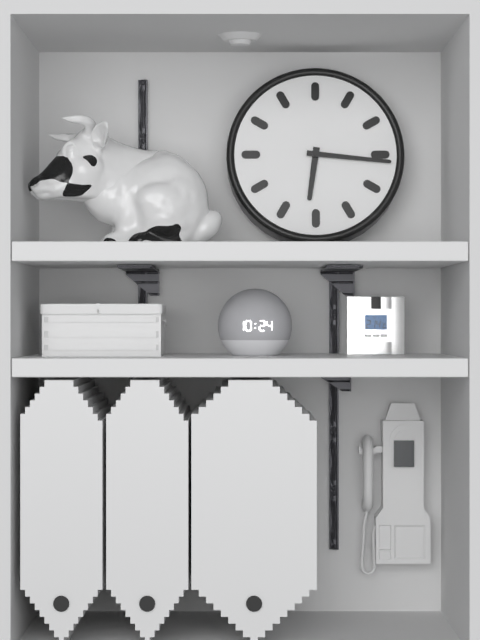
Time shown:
**6:16**
